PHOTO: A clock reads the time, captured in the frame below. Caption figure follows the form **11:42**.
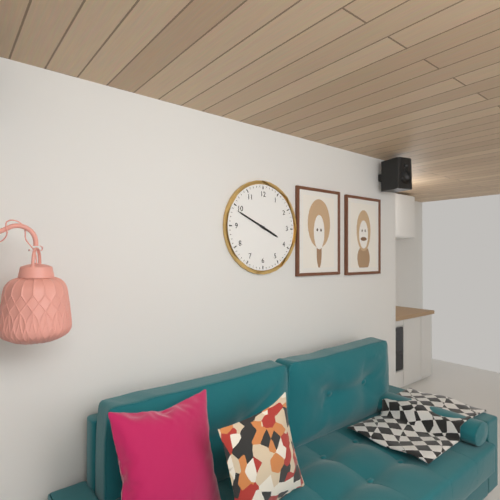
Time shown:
**3:49**
